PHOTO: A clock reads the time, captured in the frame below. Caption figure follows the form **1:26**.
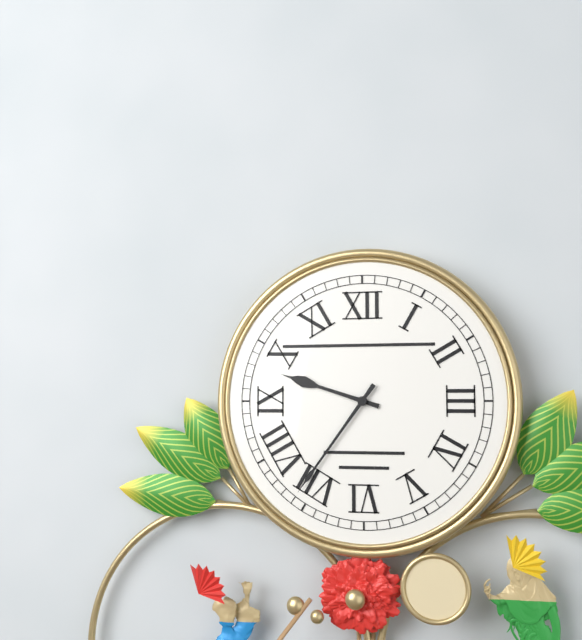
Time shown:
**9:36**
